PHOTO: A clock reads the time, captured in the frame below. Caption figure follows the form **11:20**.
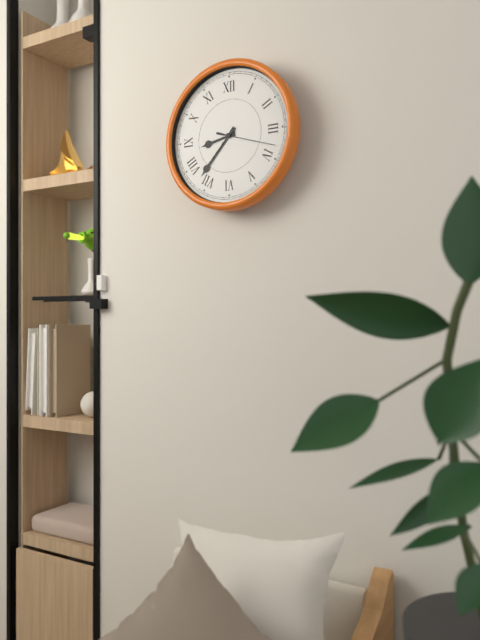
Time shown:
**8:37**
